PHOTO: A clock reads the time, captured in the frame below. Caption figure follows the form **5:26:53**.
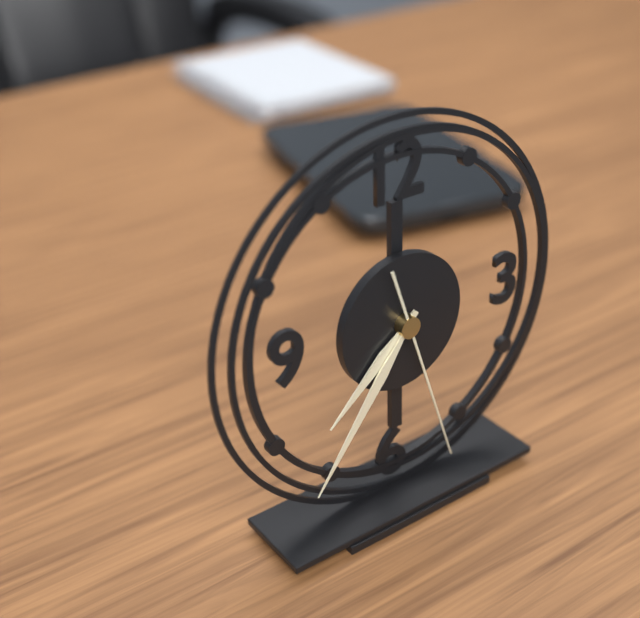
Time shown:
**7:36:27**
